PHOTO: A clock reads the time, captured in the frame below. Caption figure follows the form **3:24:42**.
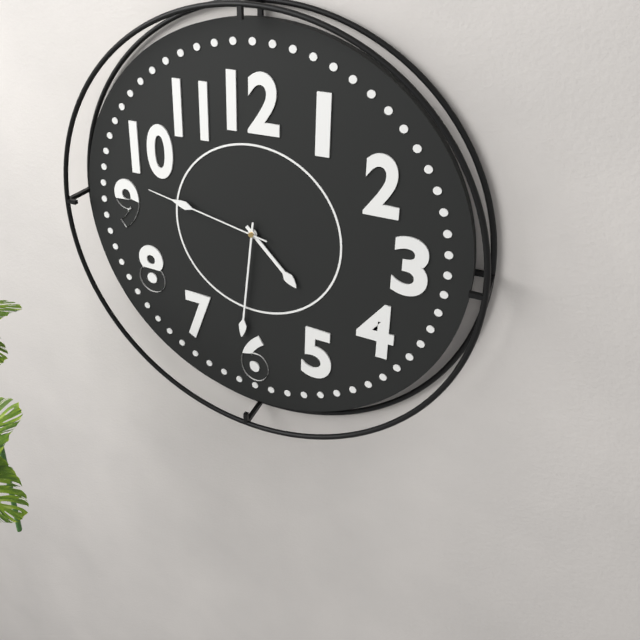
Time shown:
**4:31:47**
